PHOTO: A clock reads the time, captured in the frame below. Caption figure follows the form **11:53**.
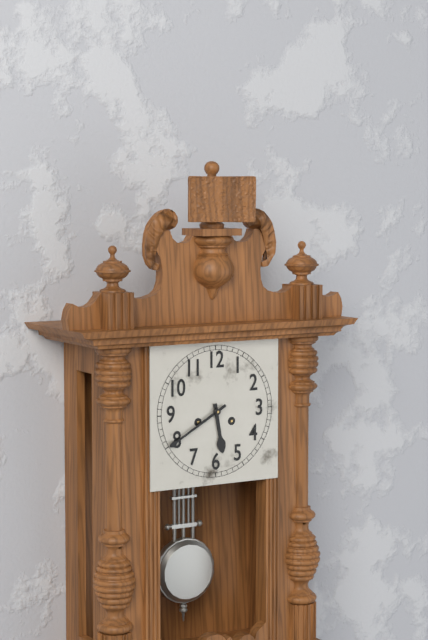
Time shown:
**5:40**
